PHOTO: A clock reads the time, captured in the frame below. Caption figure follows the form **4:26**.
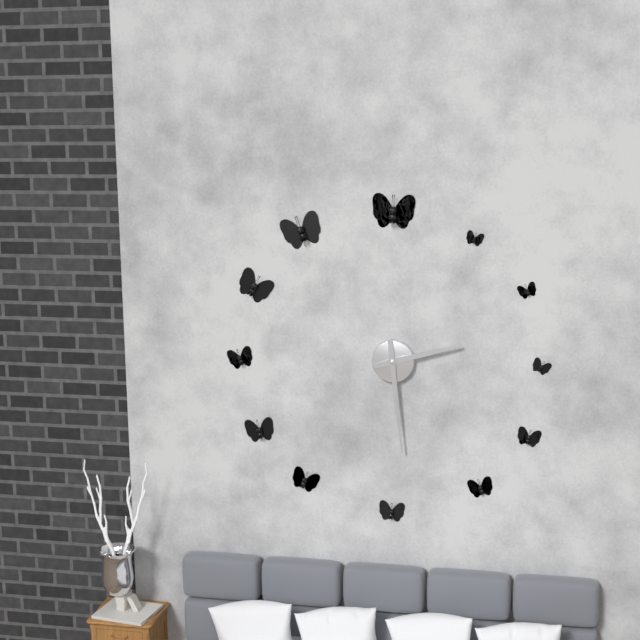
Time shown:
**2:29**
